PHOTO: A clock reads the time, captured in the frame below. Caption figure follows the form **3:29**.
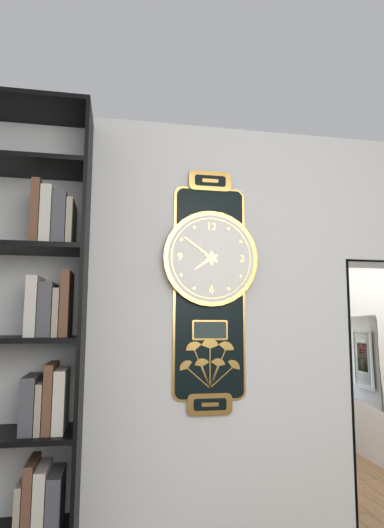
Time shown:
**7:51**
